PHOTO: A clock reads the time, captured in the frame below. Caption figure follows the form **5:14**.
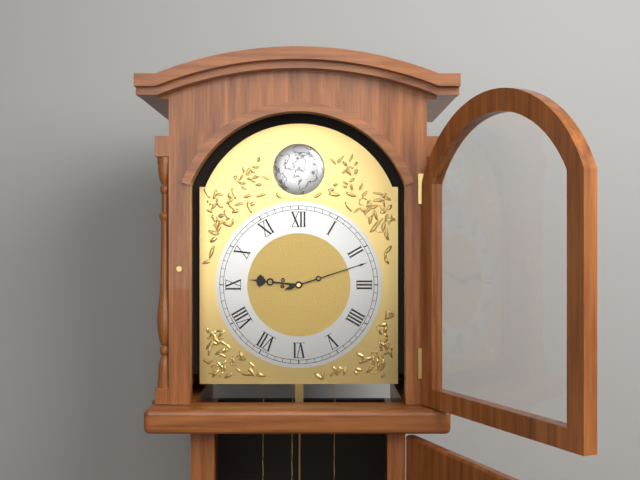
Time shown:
**9:12**
